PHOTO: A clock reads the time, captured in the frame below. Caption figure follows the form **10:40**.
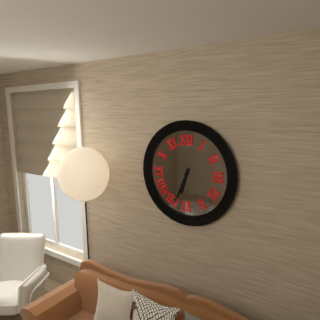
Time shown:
**6:34**
